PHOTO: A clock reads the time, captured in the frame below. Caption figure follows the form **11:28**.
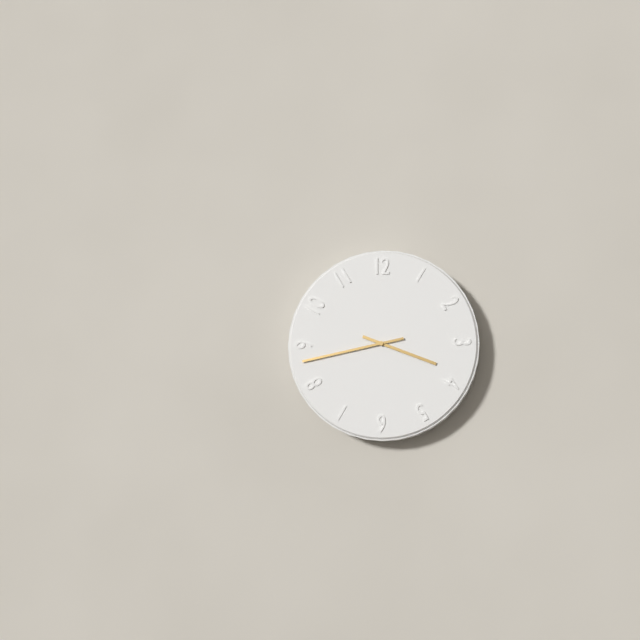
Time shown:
**3:43**
